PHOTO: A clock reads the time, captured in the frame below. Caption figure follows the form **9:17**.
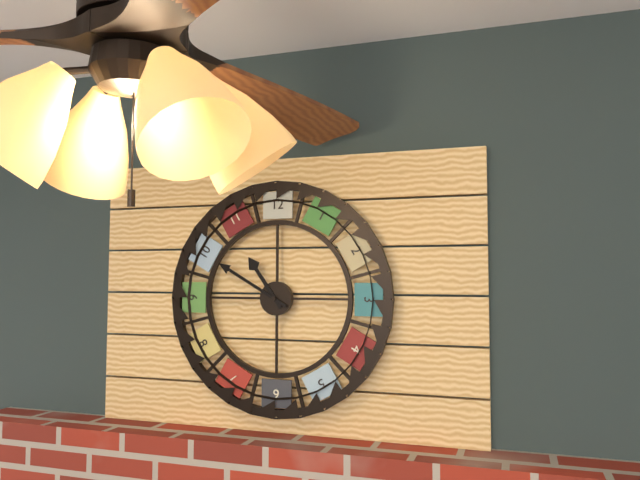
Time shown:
**10:50**
